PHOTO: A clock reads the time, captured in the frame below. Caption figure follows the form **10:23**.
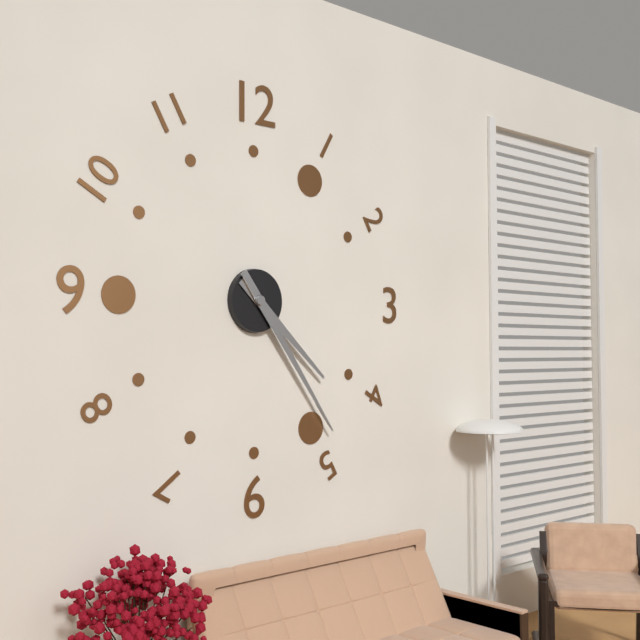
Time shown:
**4:24**
